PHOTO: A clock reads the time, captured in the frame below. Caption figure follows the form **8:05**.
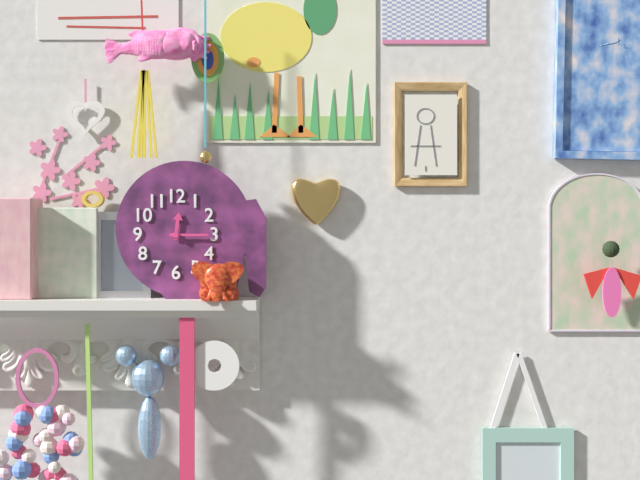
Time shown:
**12:15**
